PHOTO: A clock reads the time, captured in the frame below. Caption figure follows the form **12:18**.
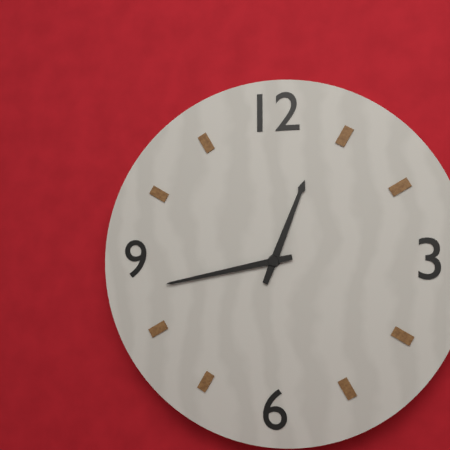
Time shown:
**12:43**
